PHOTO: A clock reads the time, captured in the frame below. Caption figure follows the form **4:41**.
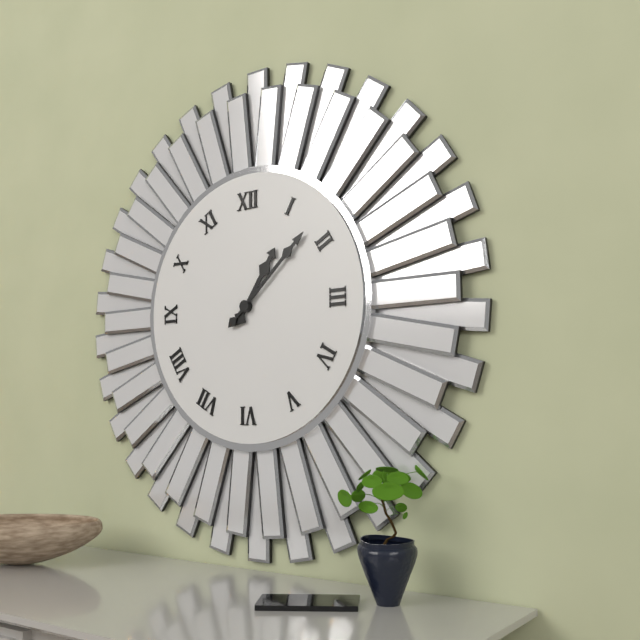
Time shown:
**1:08**
